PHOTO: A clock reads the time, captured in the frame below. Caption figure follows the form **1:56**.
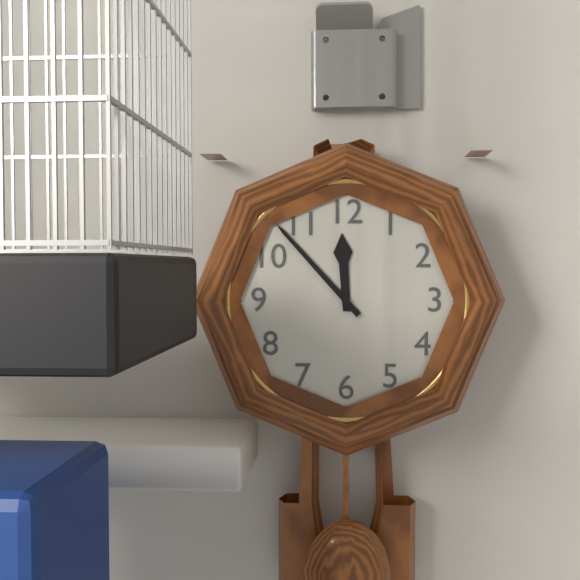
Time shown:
**11:53**
